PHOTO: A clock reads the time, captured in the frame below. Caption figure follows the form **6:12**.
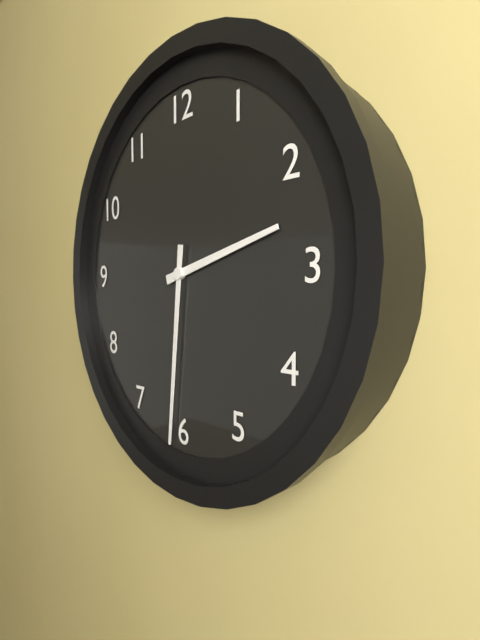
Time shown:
**2:31**
